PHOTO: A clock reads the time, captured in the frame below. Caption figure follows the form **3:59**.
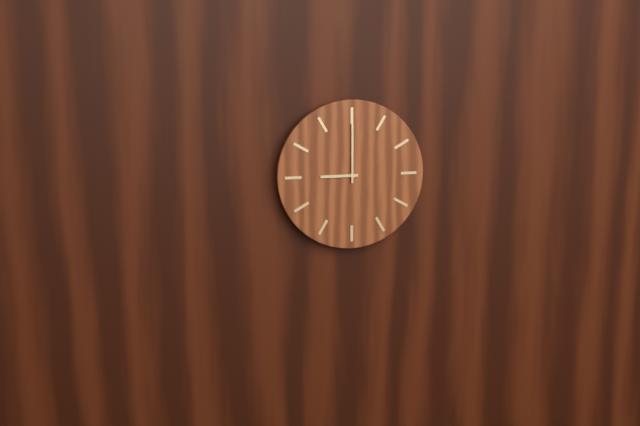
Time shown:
**9:00**
